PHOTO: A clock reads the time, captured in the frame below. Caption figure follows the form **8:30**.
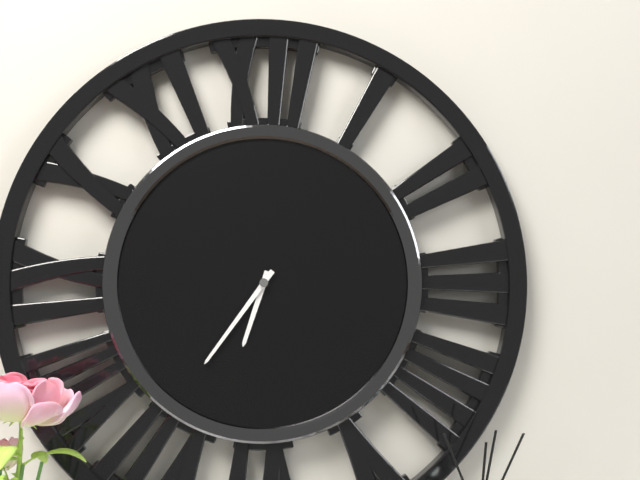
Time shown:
**6:36**
